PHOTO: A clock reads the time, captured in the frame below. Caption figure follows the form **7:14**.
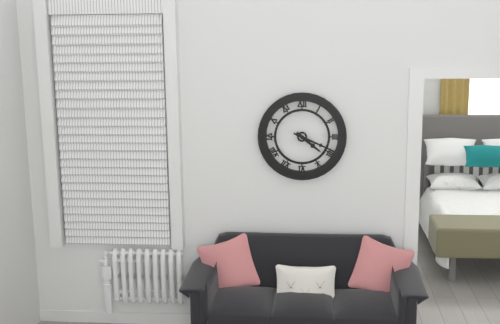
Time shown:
**4:19**
